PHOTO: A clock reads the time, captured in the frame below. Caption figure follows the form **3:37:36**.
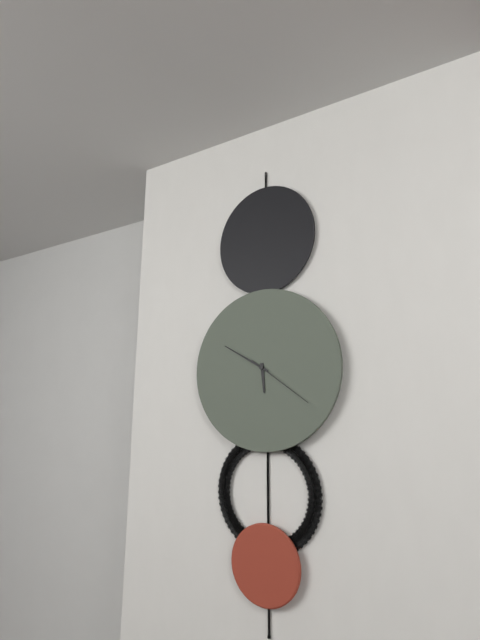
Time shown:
**5:50:21**
